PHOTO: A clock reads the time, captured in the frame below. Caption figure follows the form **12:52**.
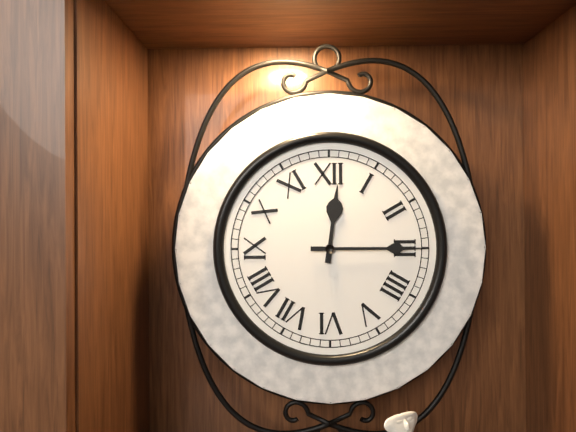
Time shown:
**12:15**
